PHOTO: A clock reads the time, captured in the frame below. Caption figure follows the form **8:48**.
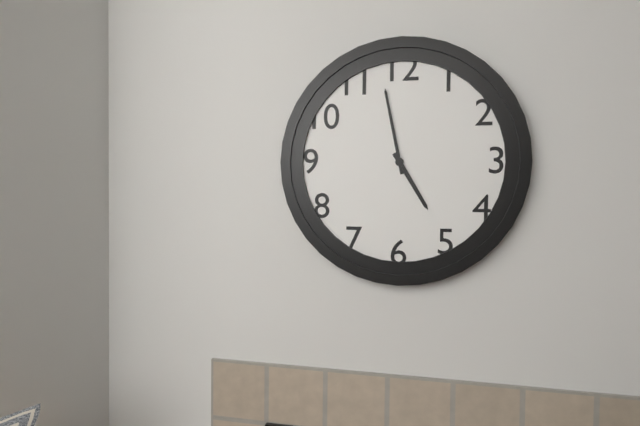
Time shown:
**4:58**
